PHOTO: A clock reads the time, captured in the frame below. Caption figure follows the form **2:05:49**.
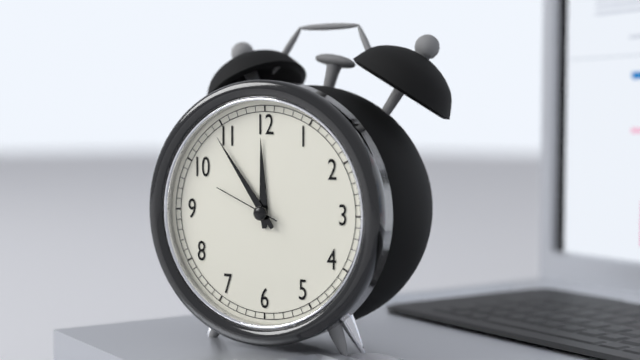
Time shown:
**11:54:49**
